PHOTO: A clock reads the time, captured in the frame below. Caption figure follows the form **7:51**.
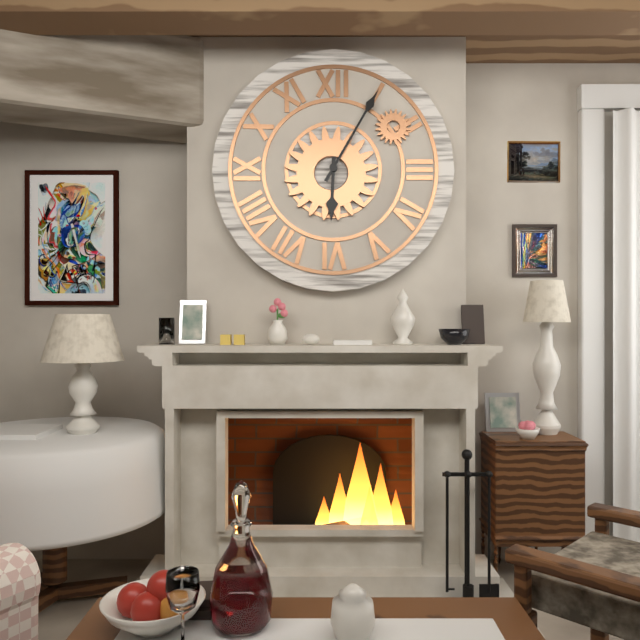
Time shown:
**6:05**
